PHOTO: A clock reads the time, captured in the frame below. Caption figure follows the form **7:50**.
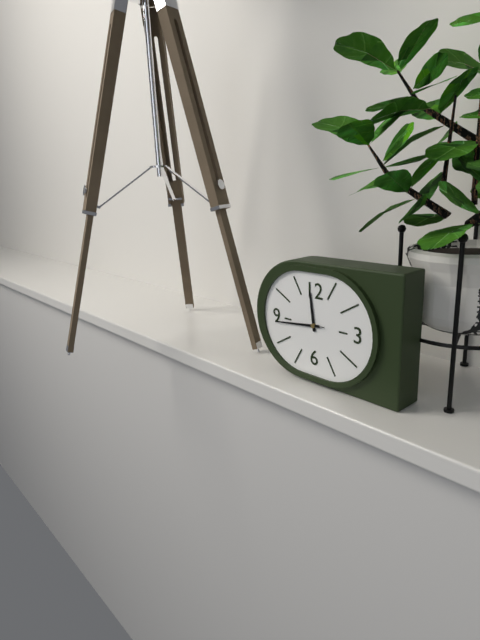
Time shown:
**11:44**
